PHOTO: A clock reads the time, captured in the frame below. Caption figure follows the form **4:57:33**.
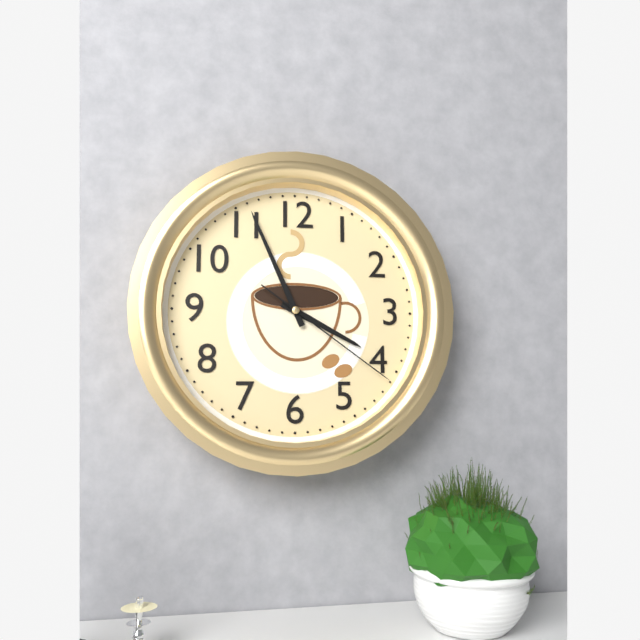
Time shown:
**3:56:21**
